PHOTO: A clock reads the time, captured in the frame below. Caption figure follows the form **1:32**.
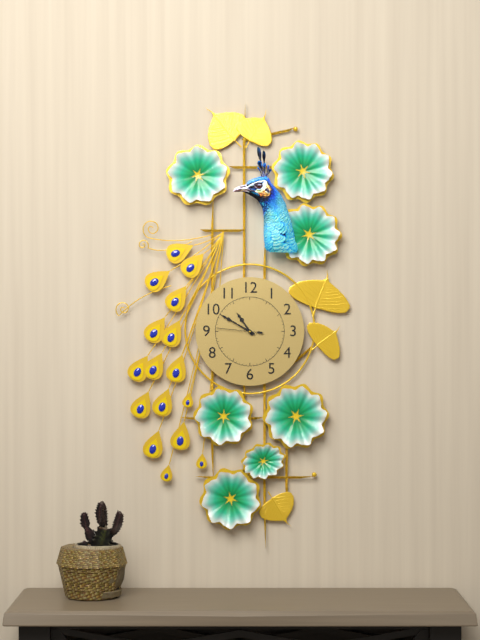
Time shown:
**10:50**
